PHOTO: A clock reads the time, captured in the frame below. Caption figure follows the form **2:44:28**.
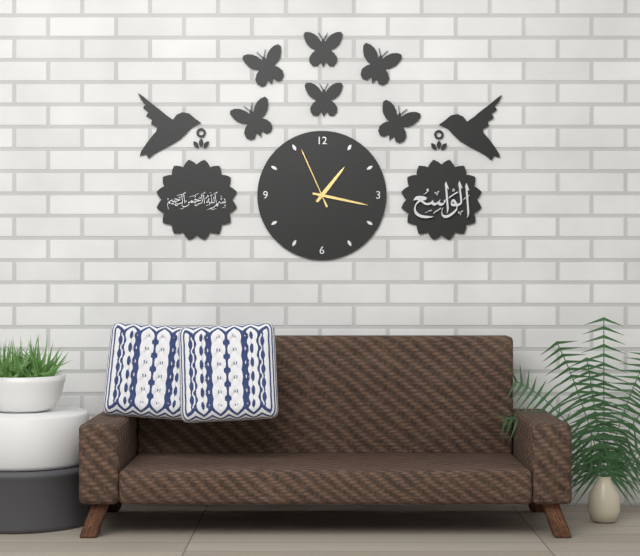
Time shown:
**1:17:56**
